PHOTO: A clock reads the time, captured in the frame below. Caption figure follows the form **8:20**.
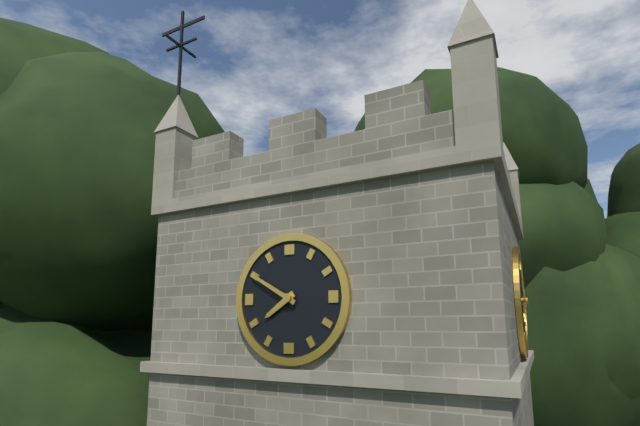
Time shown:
**7:50**
